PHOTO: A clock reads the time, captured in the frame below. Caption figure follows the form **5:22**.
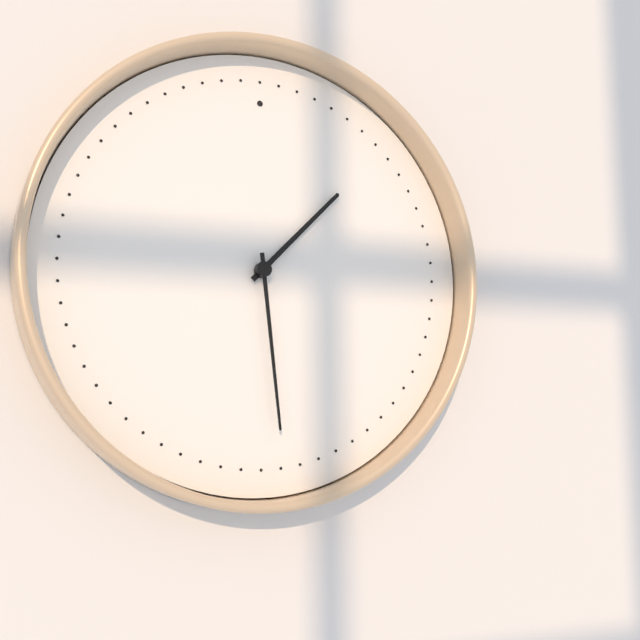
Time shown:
**1:29**
